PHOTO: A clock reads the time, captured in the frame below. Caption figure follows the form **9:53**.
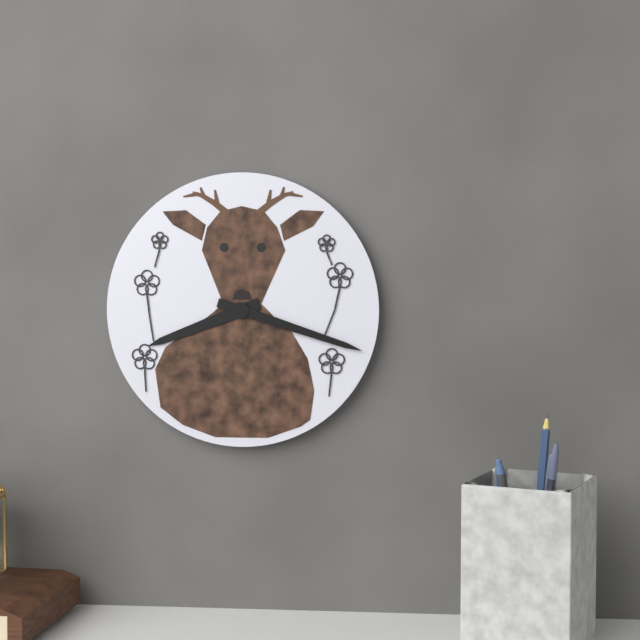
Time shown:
**8:18**
